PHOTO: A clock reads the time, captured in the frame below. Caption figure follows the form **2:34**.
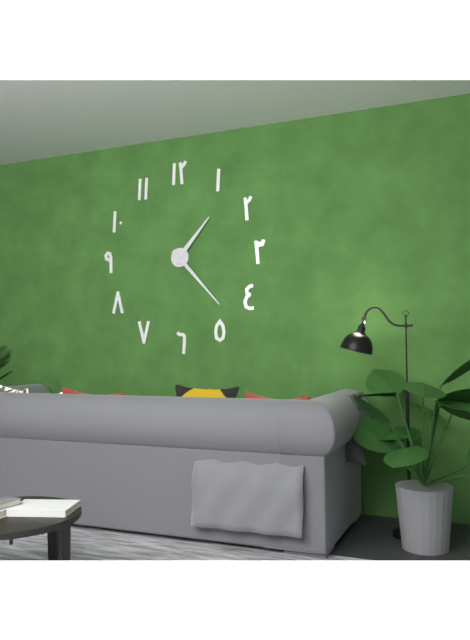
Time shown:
**1:23**
